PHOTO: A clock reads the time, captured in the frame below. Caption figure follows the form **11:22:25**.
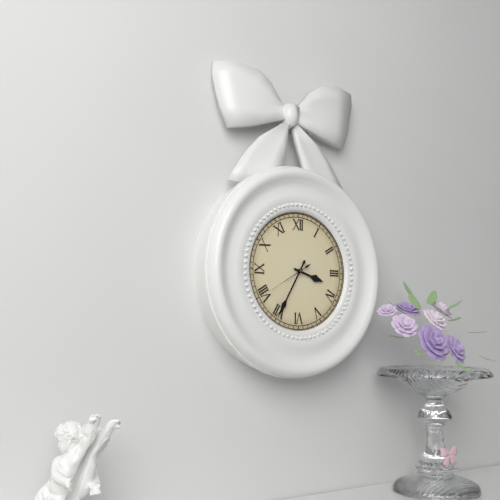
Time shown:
**3:35:40**
